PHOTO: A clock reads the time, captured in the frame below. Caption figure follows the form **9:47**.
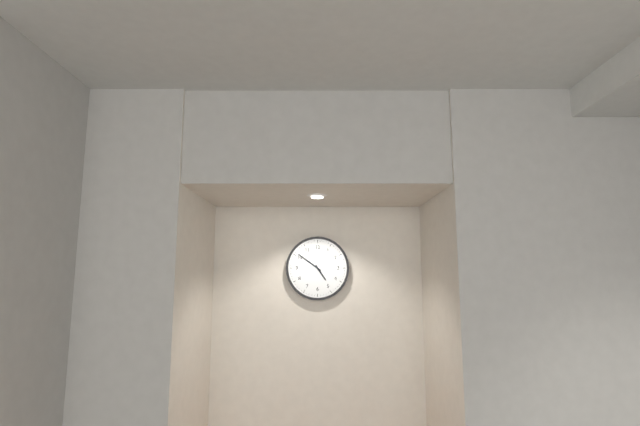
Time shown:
**4:51**
